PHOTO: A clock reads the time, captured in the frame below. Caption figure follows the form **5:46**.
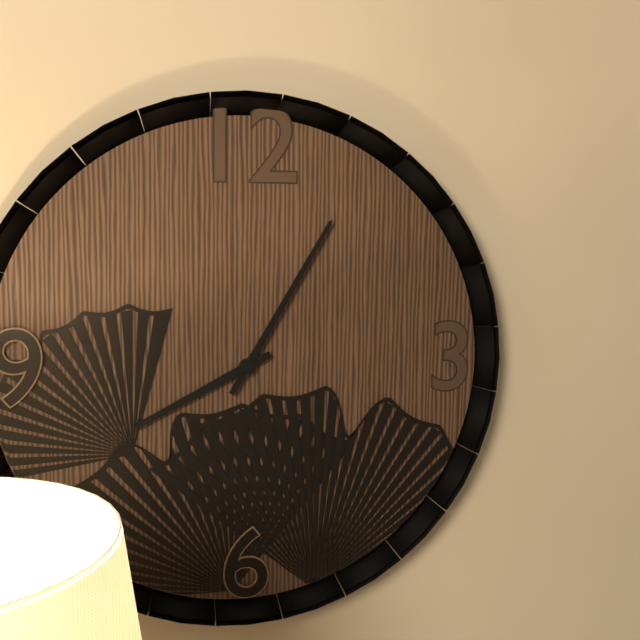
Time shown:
**8:05**
